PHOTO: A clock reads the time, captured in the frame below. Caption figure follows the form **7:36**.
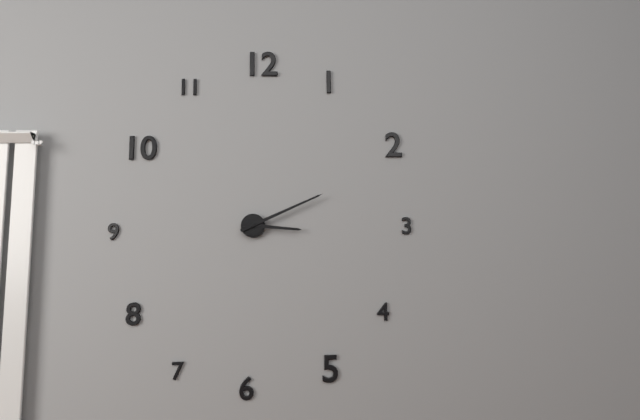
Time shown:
**3:11**
